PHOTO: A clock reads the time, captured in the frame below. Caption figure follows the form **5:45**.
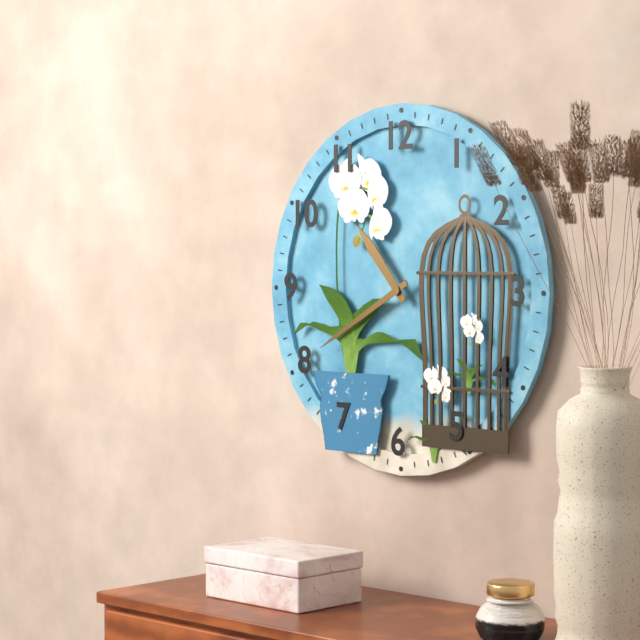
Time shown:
**10:40**
